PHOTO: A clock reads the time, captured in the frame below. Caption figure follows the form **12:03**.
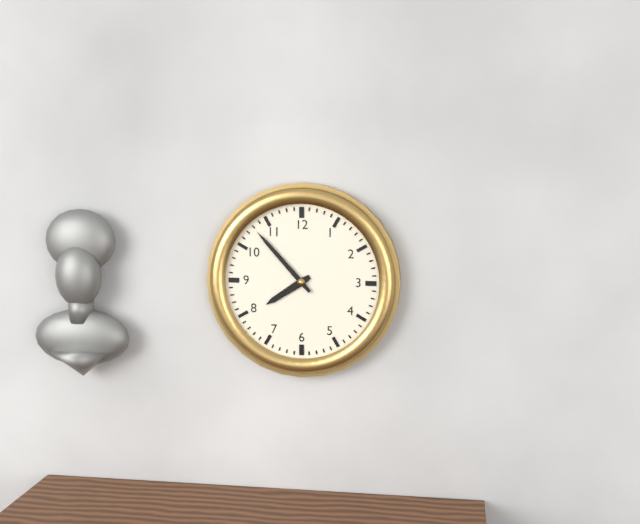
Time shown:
**7:53**
